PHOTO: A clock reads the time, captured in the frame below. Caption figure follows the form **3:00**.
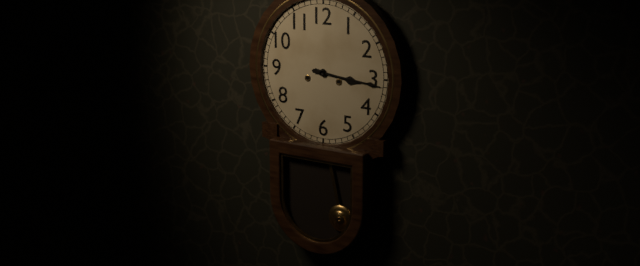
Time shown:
**3:16**
